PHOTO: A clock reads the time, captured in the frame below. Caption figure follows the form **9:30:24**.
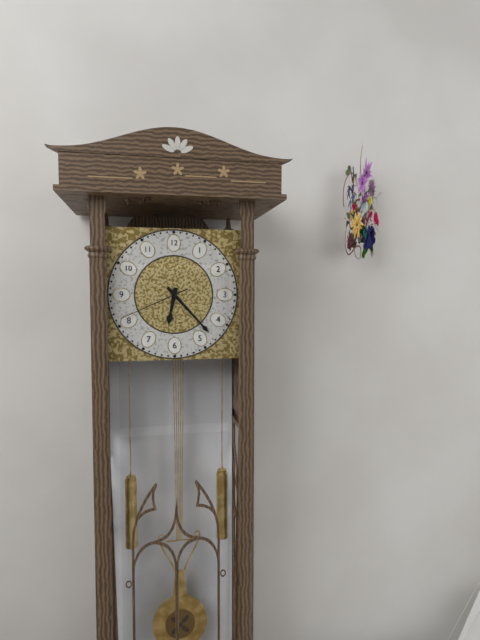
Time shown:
**6:23:41**
